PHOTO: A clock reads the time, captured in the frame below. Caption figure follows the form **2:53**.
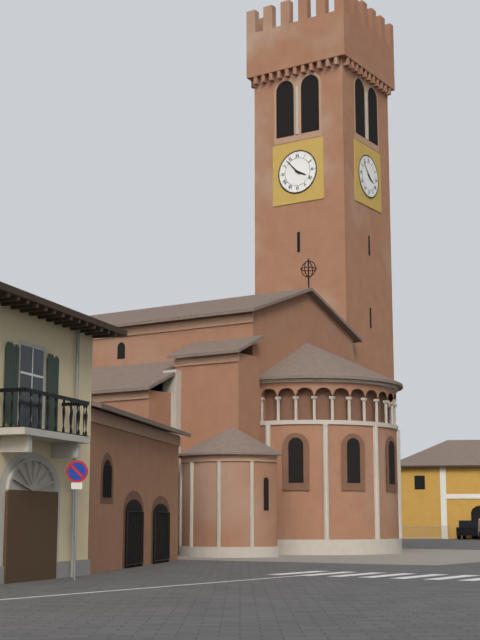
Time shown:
**3:53**
